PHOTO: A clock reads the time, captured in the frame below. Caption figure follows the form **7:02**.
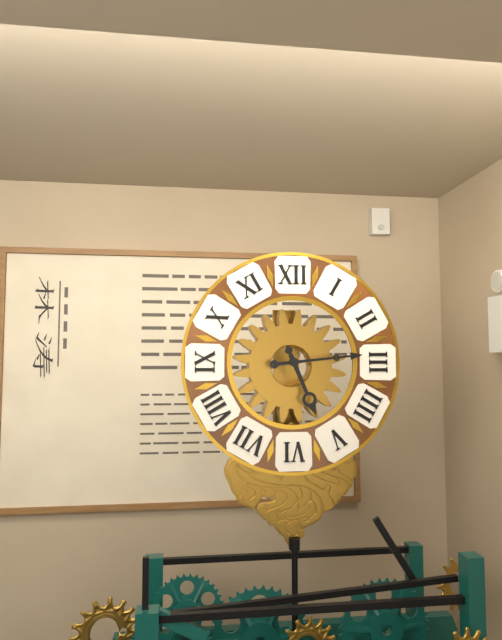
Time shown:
**5:14**
